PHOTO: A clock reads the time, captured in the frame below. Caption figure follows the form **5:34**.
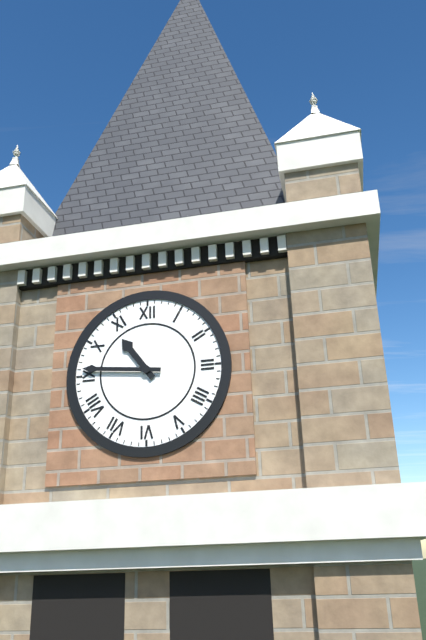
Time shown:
**10:46**
